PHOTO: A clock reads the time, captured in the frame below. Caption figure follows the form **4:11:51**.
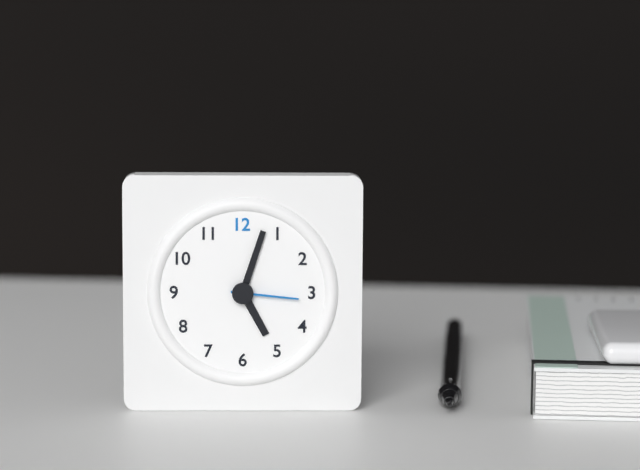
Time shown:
**5:03:16**
